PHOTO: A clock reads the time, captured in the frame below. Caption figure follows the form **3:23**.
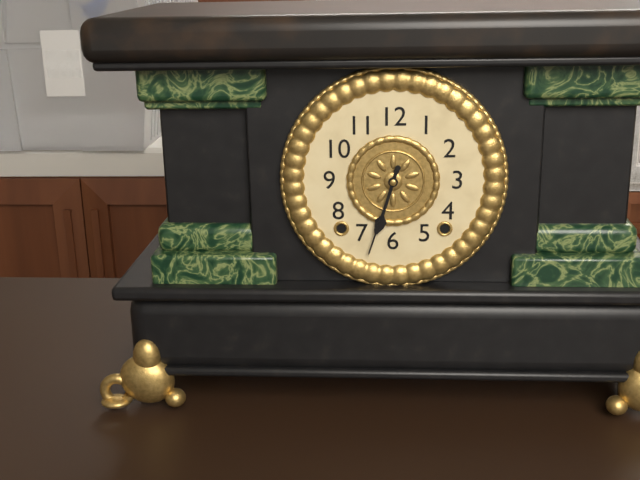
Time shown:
**6:33**
